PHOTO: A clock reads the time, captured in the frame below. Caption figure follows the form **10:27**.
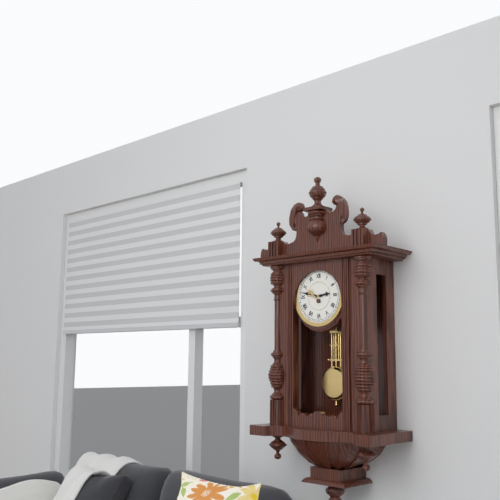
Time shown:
**2:47**
